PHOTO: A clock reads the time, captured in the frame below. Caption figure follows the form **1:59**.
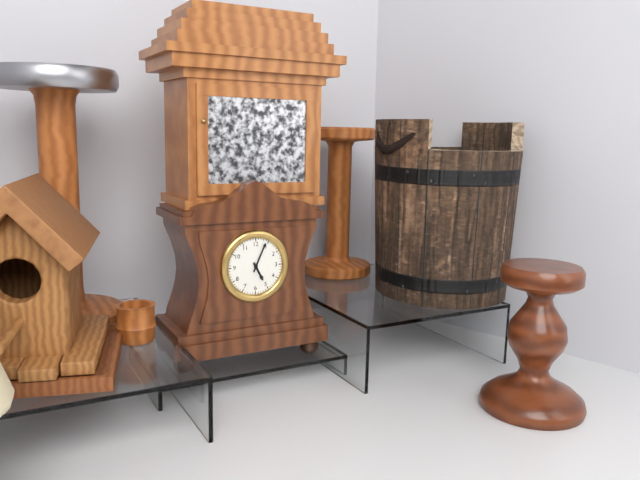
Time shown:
**5:04**
